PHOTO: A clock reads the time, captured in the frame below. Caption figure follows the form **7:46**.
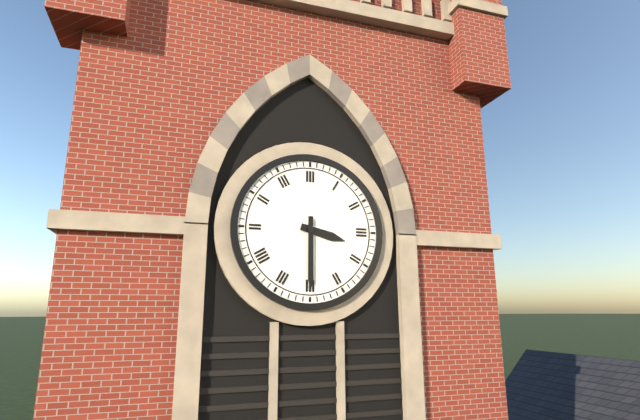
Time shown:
**3:30**
